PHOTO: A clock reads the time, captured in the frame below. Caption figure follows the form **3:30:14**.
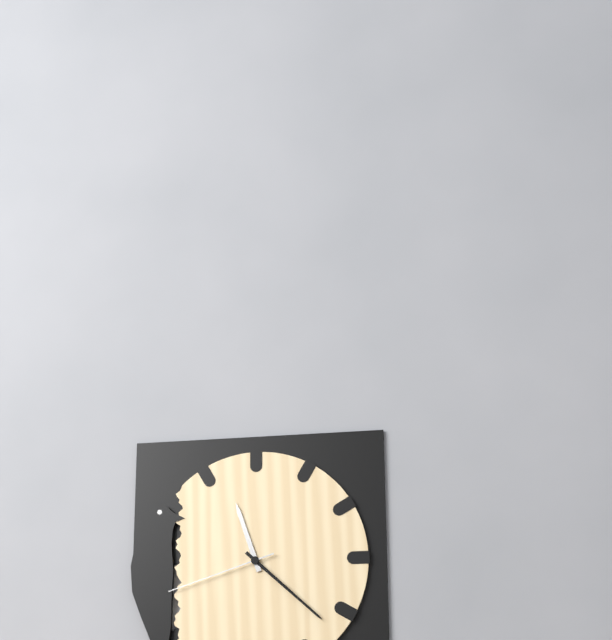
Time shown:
**11:22:42**
